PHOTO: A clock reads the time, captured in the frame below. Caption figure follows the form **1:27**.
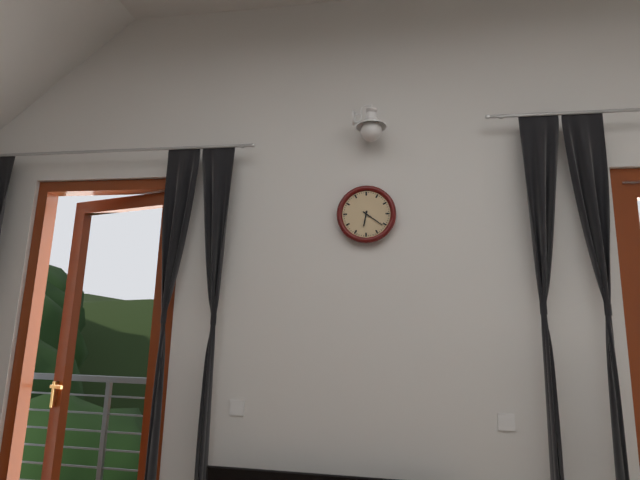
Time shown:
**6:21**
